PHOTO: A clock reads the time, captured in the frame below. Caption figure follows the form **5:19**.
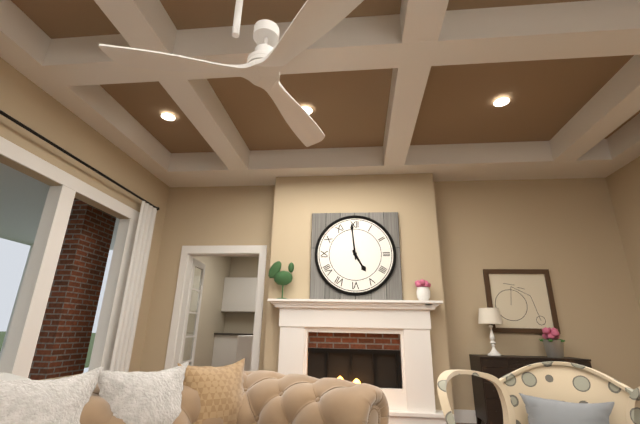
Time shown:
**4:59**
